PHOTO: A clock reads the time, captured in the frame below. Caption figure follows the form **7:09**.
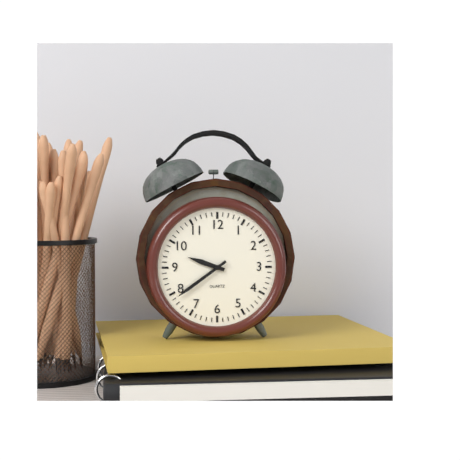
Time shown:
**9:39**
